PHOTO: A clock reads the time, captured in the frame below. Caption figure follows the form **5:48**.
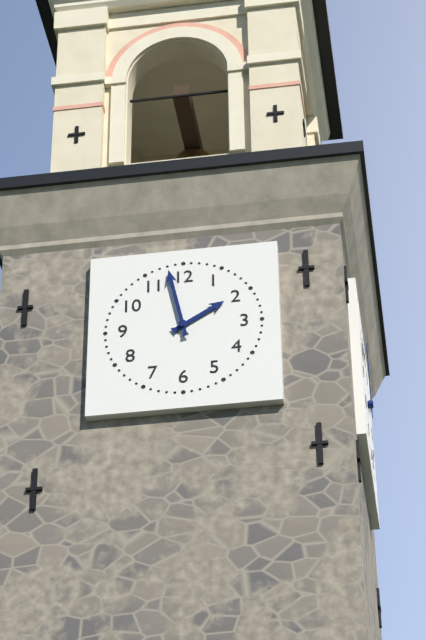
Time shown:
**1:58**
